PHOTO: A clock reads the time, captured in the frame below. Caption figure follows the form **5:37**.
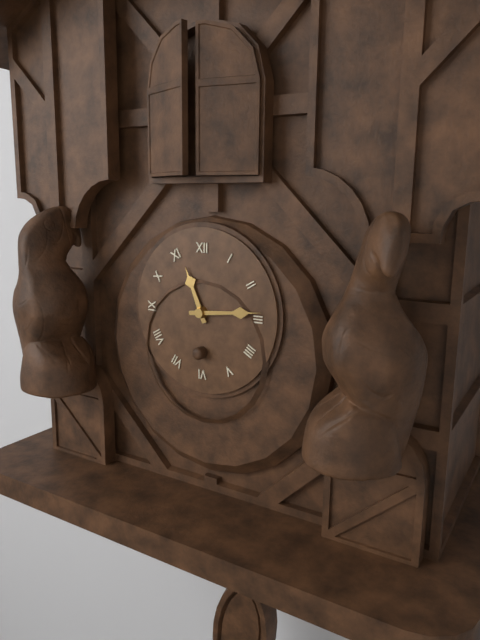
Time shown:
**11:14**
